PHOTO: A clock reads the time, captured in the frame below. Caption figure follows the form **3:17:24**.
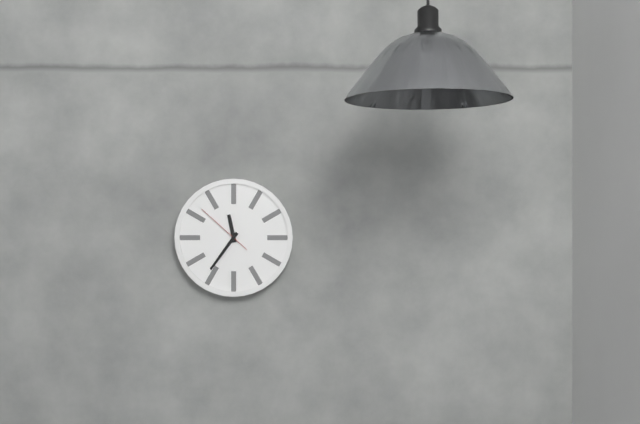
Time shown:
**11:36:52**
